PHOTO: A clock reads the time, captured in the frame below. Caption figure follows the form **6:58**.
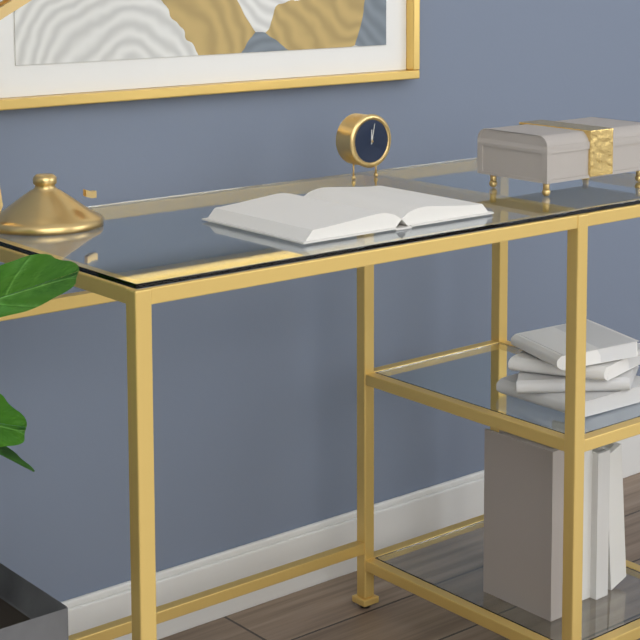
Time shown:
**12:02**
